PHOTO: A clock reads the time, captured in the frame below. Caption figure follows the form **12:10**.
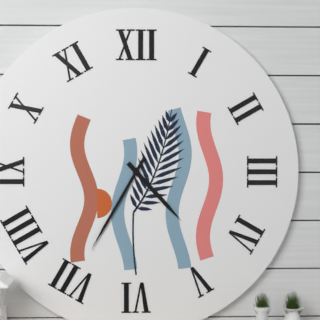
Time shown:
**4:35**
